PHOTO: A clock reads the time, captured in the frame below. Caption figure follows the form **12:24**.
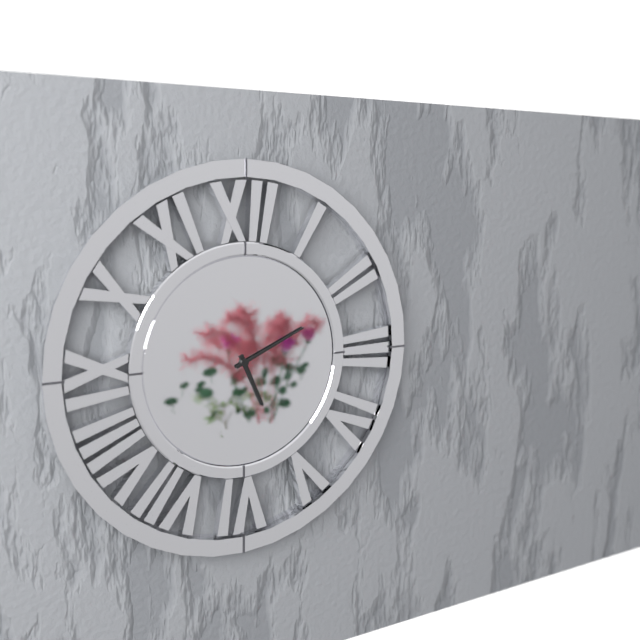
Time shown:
**5:11**
